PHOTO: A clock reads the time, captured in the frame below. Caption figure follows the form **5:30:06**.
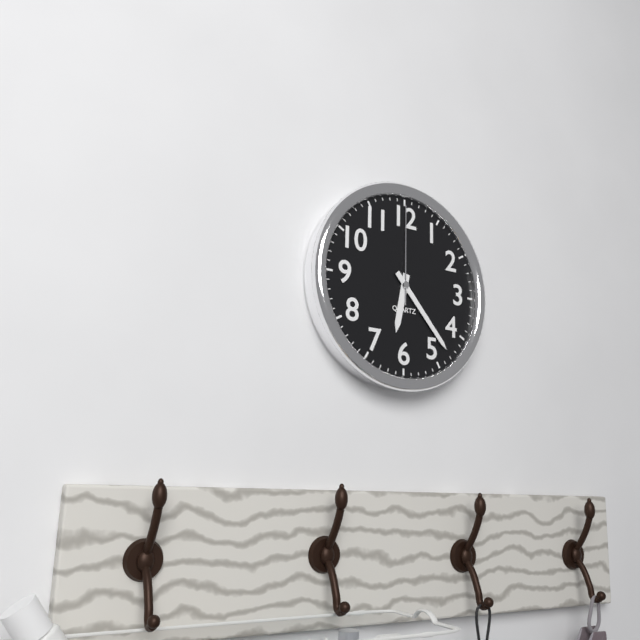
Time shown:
**6:23:00**
